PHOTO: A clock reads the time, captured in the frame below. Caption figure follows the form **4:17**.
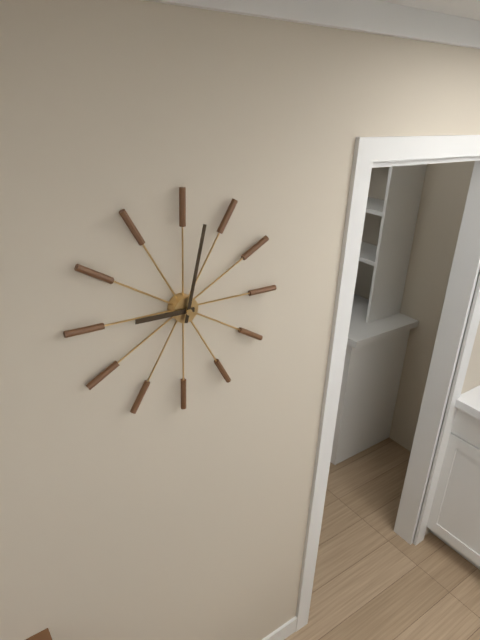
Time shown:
**9:02**
